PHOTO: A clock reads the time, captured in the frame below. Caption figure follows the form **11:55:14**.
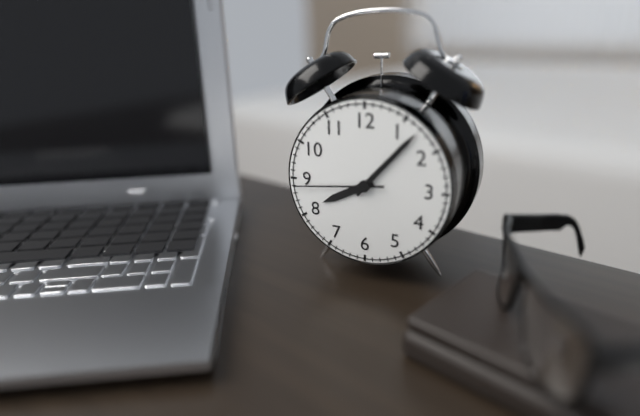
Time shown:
**8:07:44**
